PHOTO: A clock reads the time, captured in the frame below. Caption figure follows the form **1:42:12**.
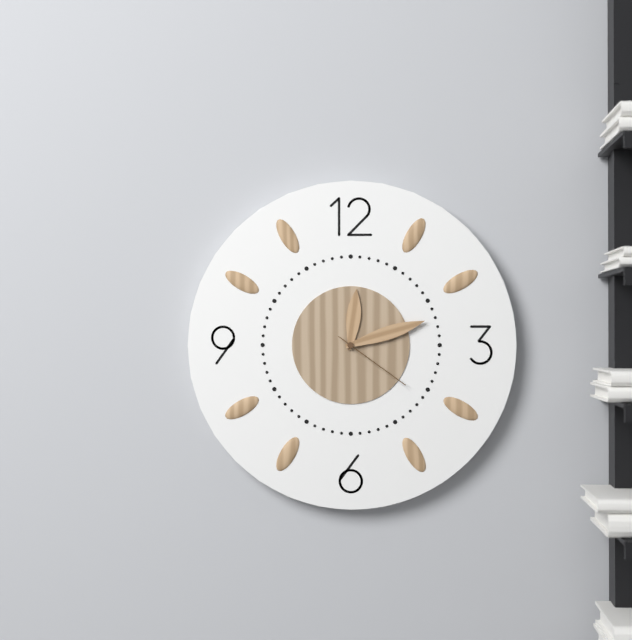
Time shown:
**12:12:21**
